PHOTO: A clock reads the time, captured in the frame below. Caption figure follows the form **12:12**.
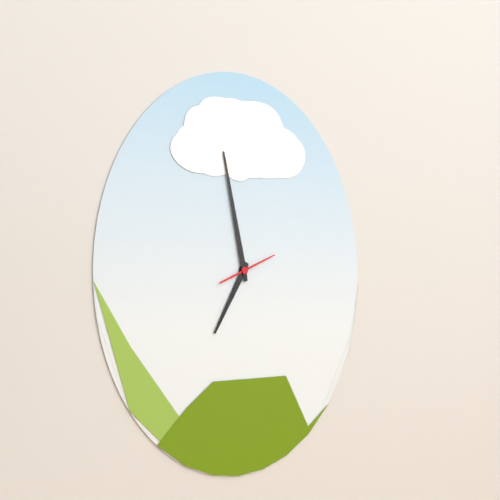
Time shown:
**6:58**
